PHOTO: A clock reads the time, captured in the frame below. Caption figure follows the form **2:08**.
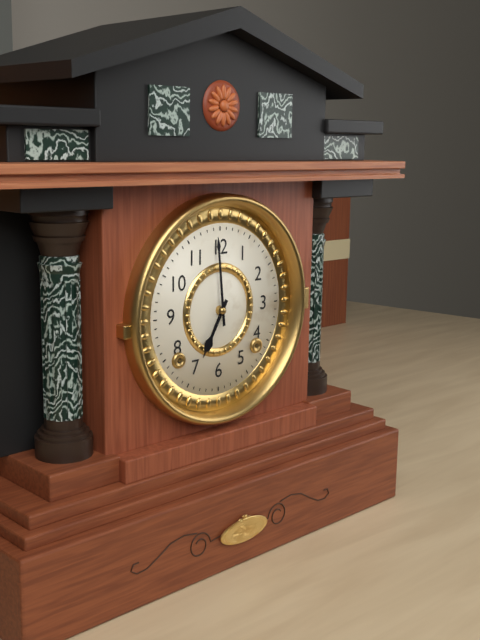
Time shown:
**6:59**
